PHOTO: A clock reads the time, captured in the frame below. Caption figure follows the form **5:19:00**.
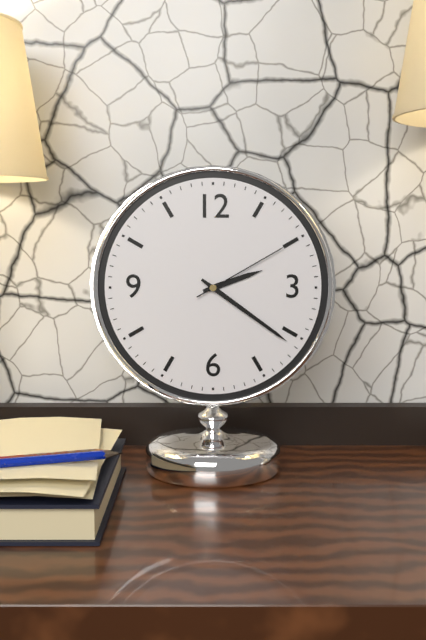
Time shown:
**2:21:10**
